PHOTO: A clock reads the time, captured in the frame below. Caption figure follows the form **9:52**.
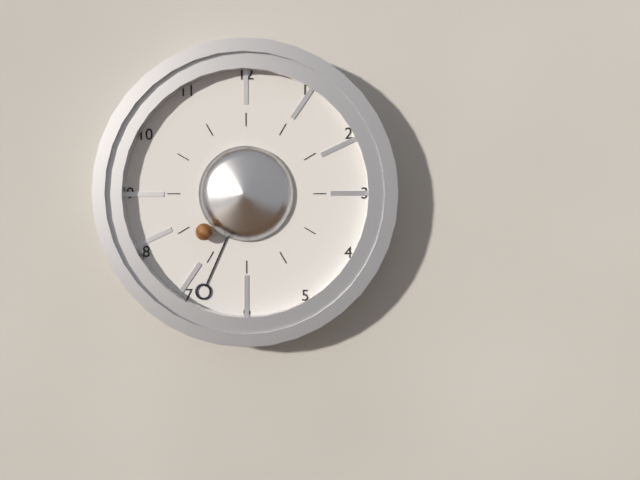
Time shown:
**7:34**
